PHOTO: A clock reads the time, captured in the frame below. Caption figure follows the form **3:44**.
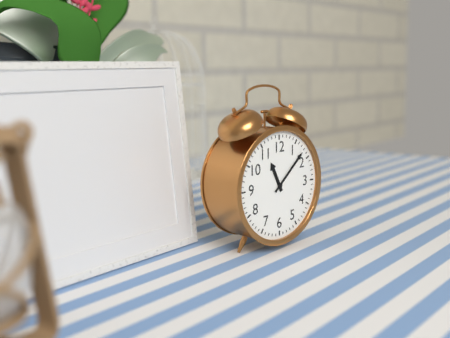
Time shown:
**11:08**
